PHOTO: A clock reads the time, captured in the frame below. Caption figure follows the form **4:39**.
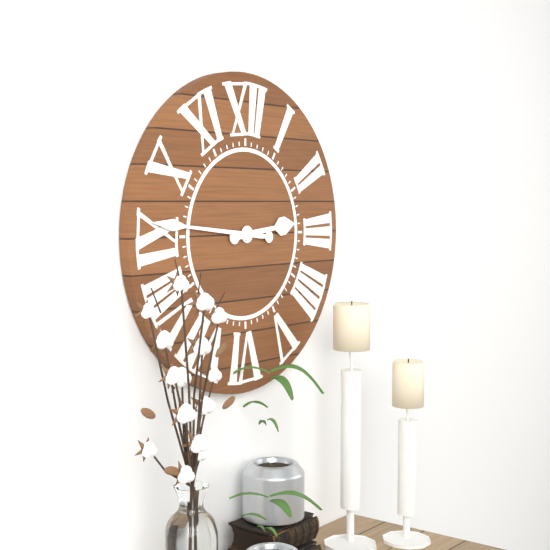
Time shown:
**2:46**
